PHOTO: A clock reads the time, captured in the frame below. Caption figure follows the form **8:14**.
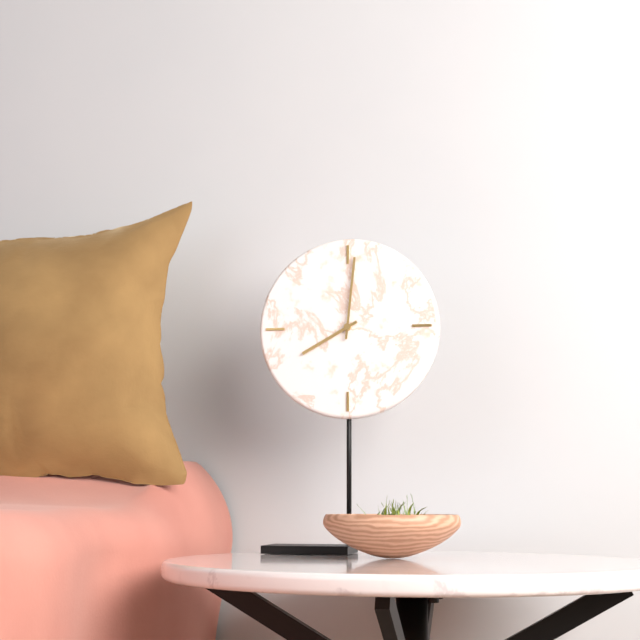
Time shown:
**8:01**
